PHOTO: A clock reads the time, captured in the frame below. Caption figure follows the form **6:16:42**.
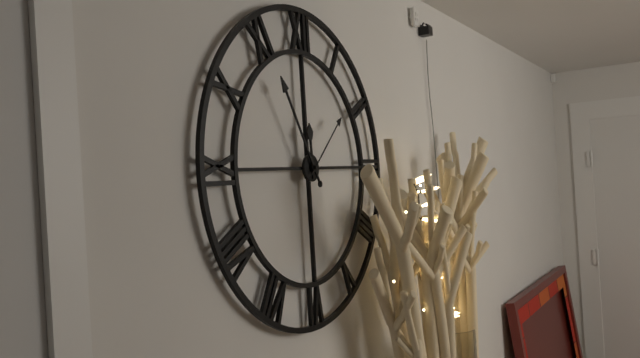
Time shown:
**11:55:08**
